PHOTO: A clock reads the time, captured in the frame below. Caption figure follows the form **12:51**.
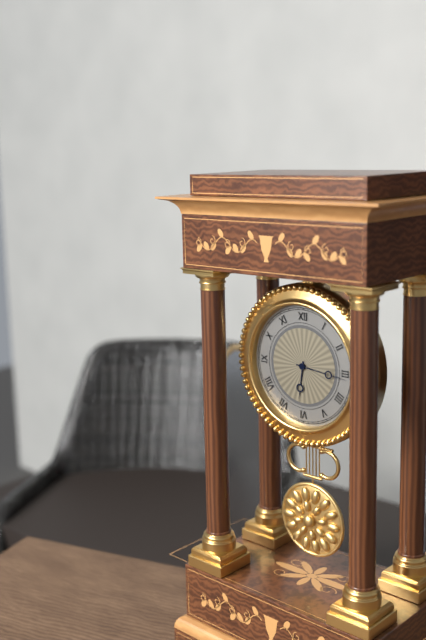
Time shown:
**6:16**
